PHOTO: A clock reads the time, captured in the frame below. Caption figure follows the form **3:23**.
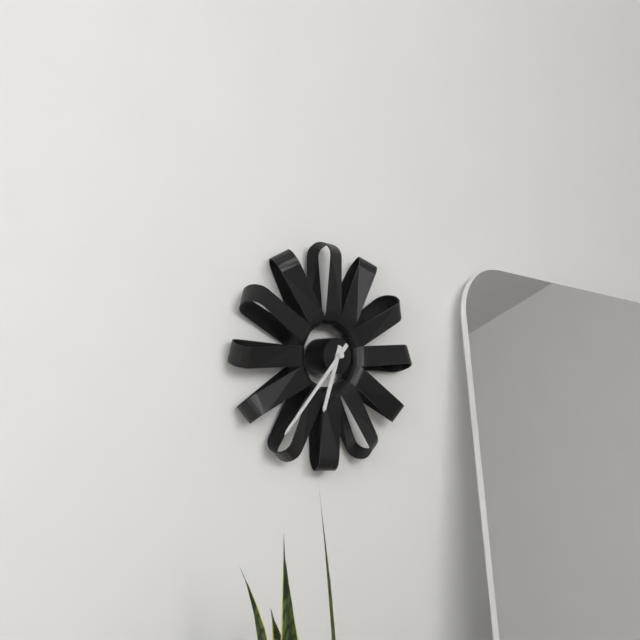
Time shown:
**6:37**
